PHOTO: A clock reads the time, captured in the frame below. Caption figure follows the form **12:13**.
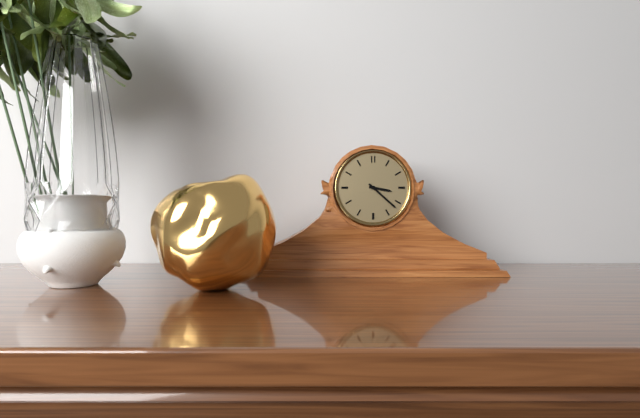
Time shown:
**3:22**
